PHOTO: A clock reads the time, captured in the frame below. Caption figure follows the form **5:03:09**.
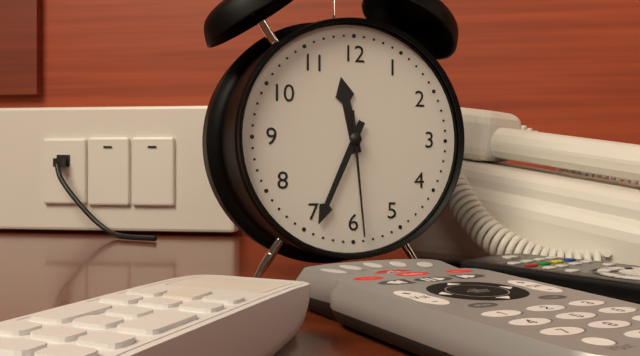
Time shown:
**11:34:29**
